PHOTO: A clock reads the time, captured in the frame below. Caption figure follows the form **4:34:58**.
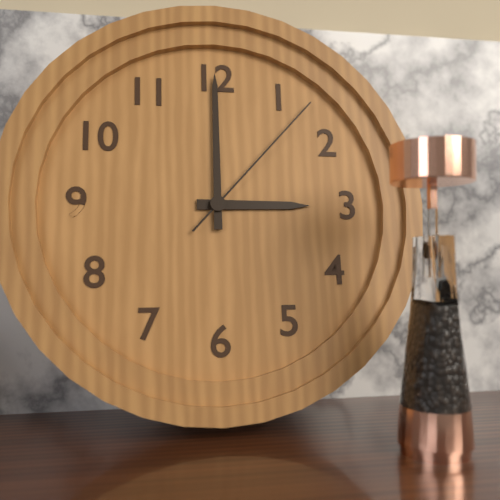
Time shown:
**3:00:07**
